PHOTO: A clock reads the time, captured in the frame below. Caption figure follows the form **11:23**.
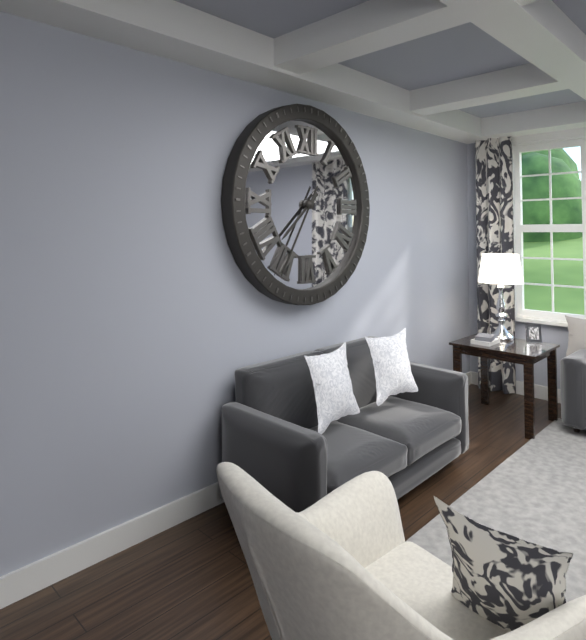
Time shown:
**7:35**
